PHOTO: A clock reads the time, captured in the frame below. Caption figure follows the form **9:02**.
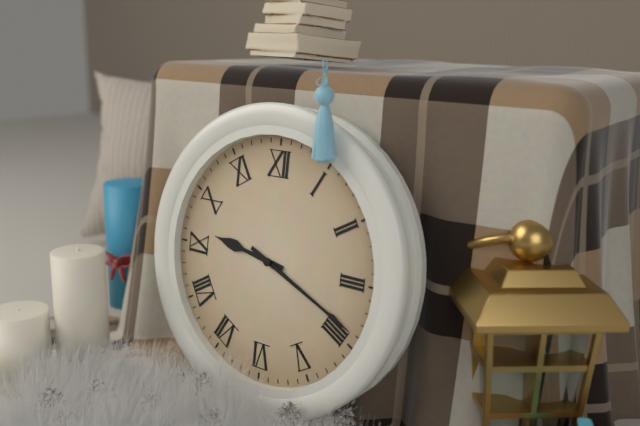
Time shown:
**9:19**
